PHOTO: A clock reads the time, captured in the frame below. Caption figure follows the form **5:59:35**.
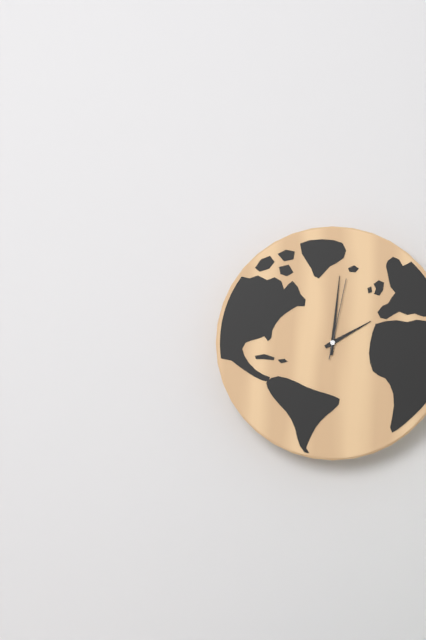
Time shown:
**2:01:02**
